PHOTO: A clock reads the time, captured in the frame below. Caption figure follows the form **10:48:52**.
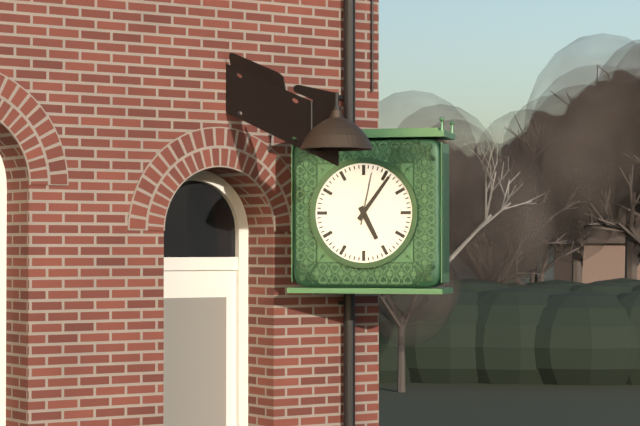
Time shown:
**5:06:02**
